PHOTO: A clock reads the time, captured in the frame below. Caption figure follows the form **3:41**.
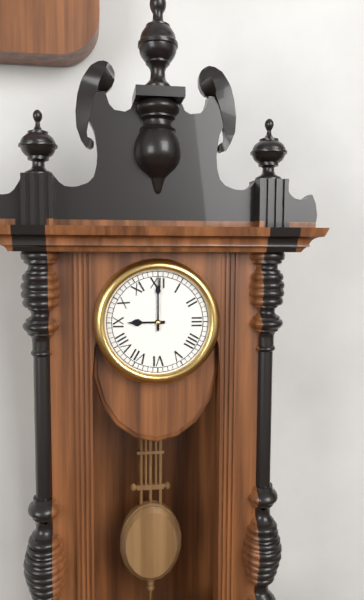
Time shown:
**9:00**
